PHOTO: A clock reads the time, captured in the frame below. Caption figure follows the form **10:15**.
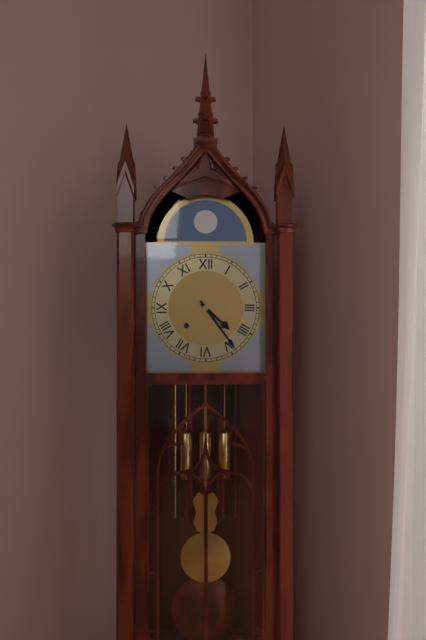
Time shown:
**4:24**
